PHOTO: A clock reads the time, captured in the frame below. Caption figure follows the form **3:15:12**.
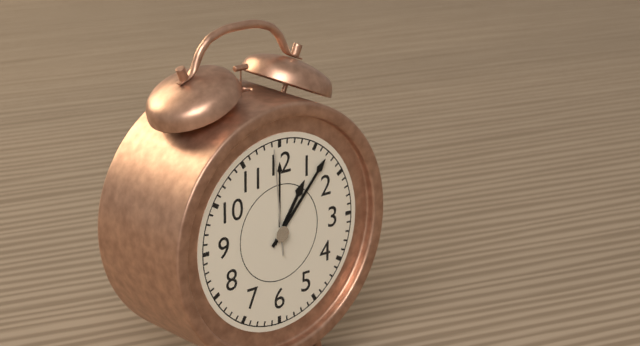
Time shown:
**1:07:59**
